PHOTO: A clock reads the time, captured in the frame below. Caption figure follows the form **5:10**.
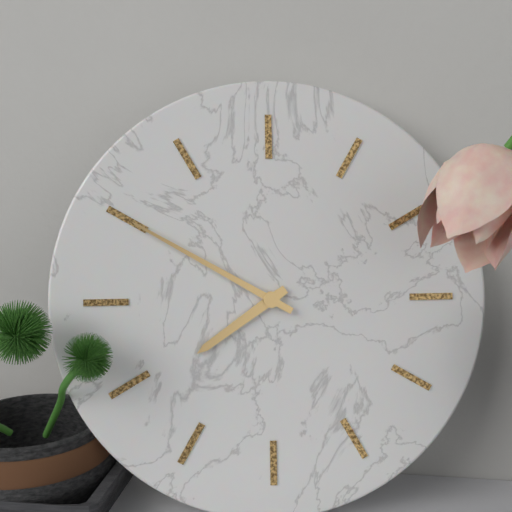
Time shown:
**7:50**
